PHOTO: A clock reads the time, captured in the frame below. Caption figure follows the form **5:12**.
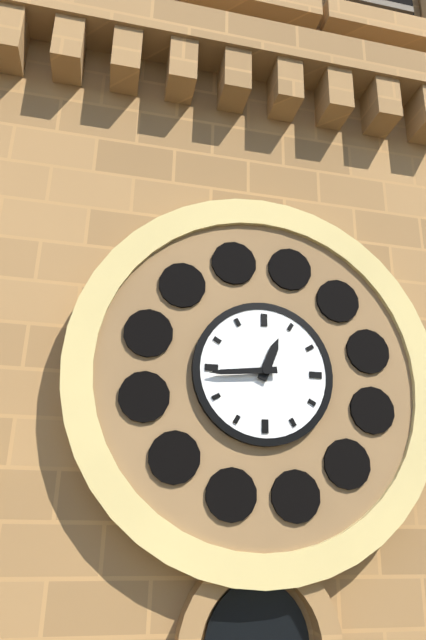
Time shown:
**12:44**
